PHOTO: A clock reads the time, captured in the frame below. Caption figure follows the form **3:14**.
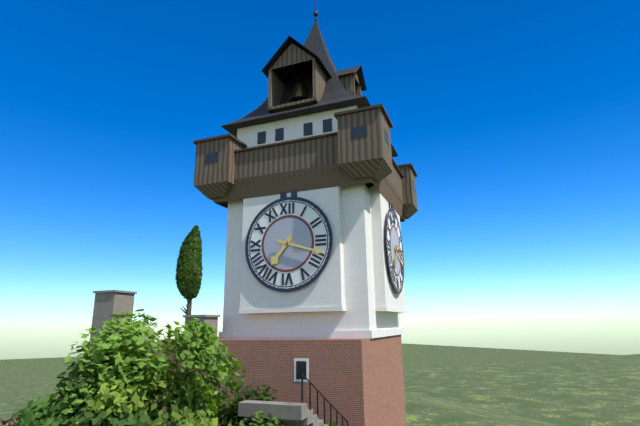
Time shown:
**7:18**
